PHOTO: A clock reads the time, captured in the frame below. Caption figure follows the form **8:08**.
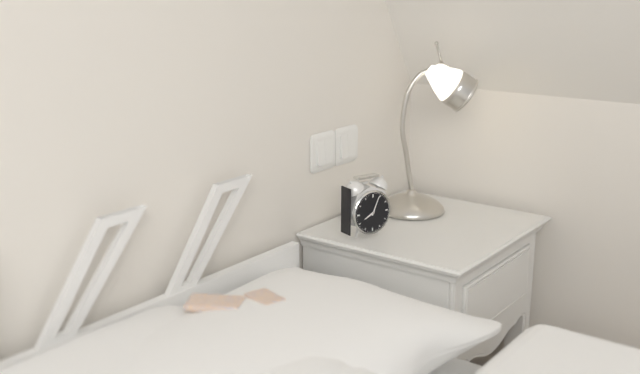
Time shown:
**8:04**
